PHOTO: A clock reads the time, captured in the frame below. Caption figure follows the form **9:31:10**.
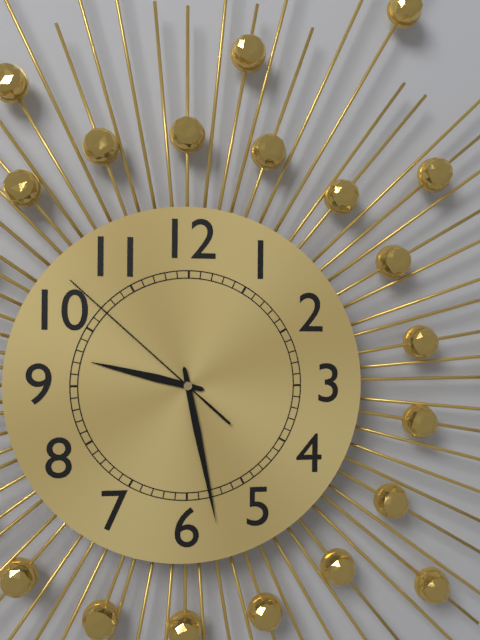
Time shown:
**9:28:52**
